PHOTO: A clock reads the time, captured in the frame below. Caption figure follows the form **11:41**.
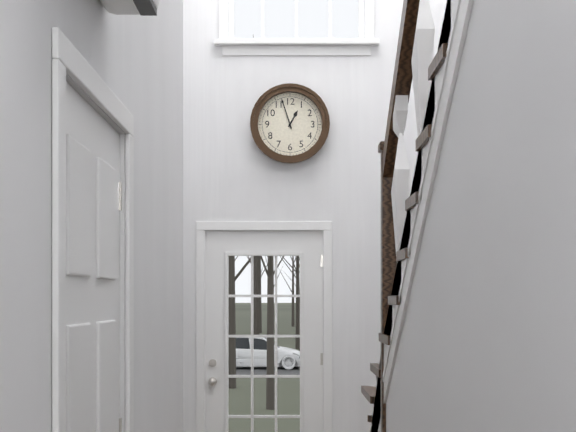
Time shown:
**12:57**
